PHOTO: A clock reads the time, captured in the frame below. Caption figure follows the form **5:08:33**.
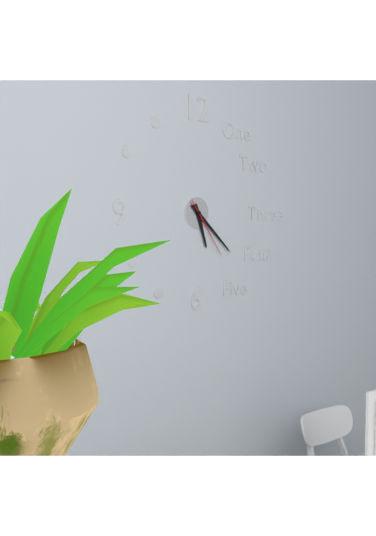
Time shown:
**5:22:24**
